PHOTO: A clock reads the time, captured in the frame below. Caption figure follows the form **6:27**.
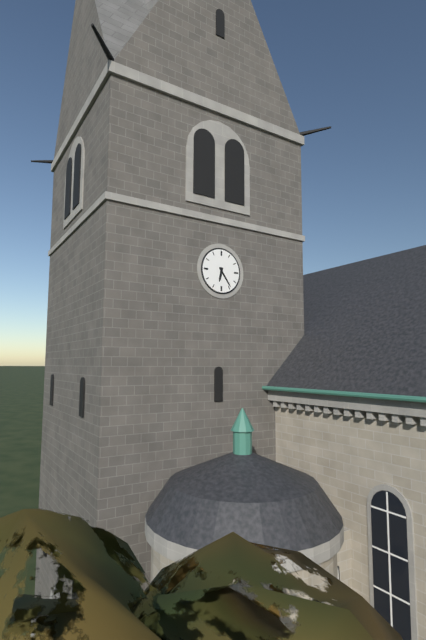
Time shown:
**6:24**
